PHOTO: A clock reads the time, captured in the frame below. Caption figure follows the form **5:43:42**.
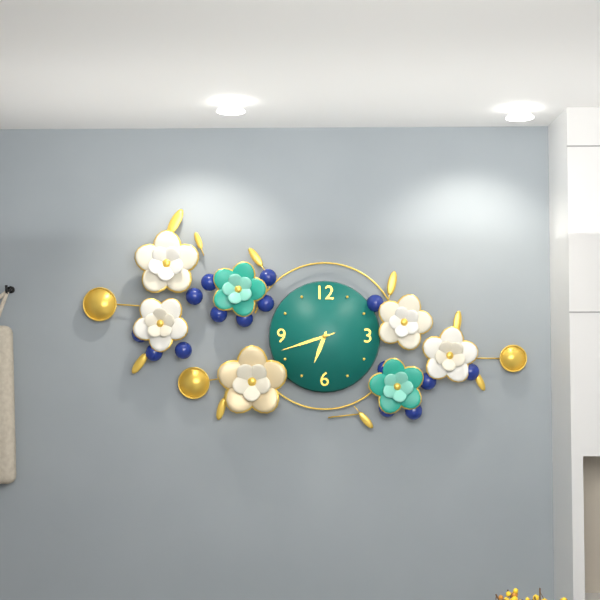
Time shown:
**6:42:42**
